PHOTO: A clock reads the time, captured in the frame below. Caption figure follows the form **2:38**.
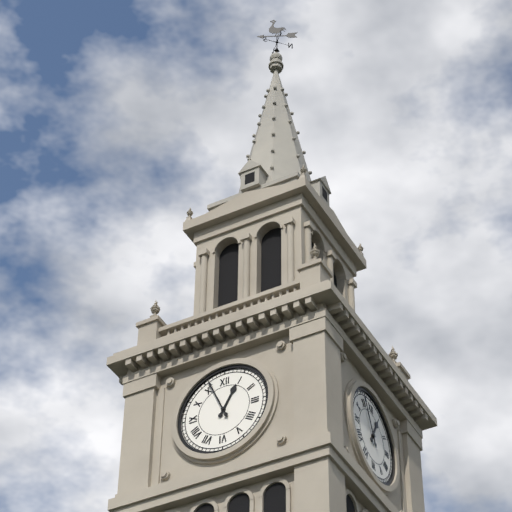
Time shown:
**12:56**
